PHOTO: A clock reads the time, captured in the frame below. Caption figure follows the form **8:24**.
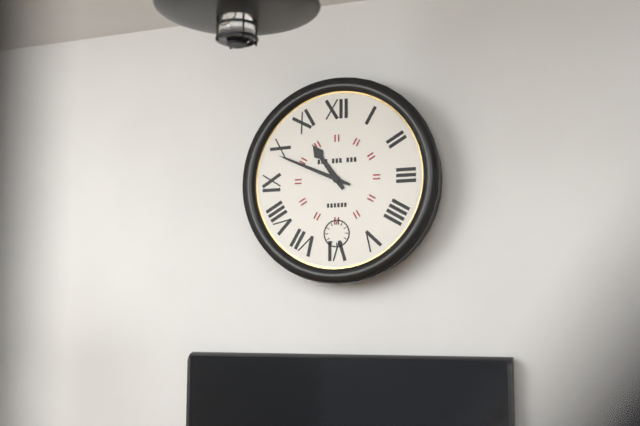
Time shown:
**10:49**
